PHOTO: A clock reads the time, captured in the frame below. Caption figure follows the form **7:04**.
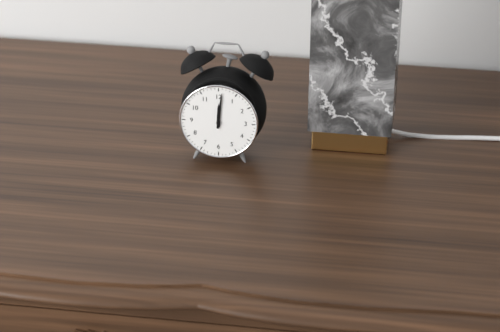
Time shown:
**12:01**
